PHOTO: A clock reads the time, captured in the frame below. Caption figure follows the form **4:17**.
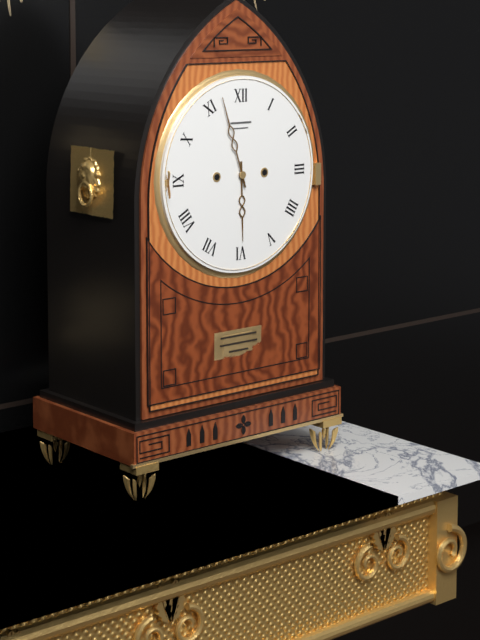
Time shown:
**5:57**
